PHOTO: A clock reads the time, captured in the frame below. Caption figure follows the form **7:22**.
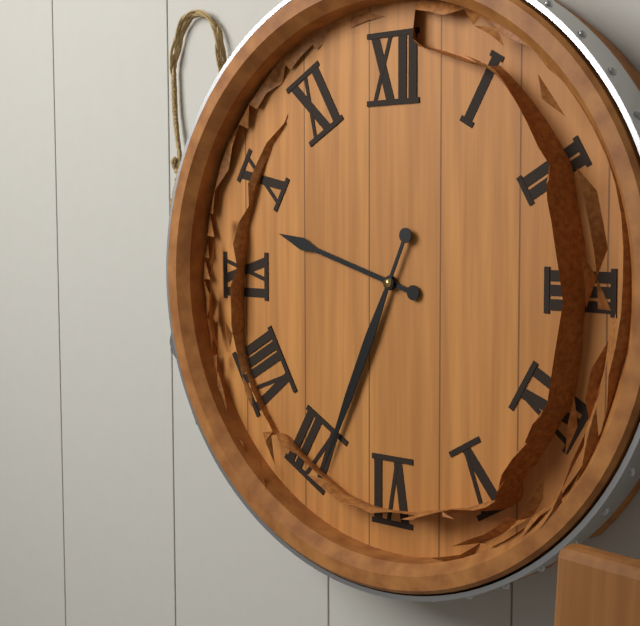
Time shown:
**9:34**
